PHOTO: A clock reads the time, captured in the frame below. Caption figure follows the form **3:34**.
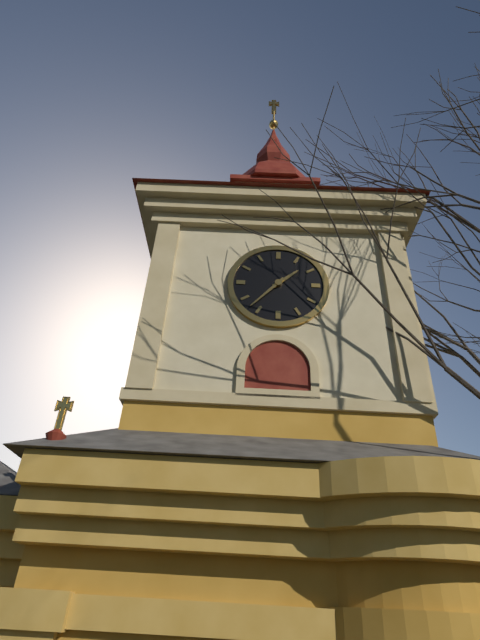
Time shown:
**1:37**
